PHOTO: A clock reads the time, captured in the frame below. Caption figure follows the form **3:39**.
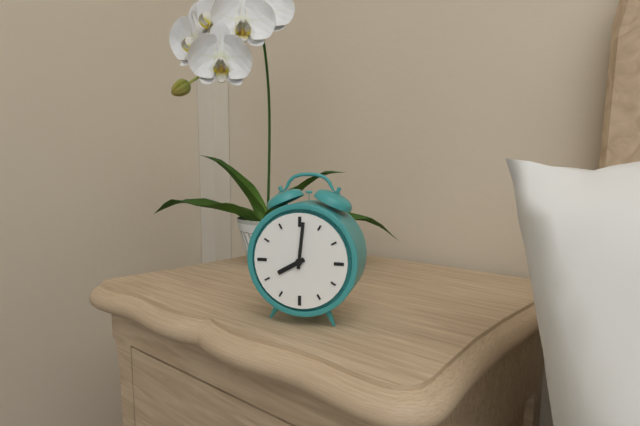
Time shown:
**8:01**
